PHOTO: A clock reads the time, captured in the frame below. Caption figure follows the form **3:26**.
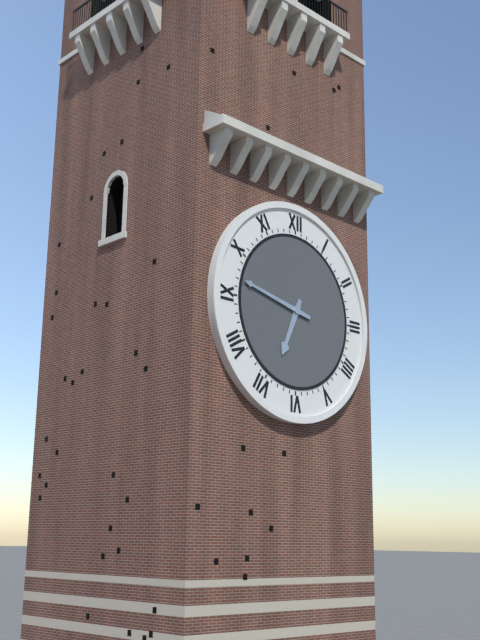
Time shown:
**6:47**
